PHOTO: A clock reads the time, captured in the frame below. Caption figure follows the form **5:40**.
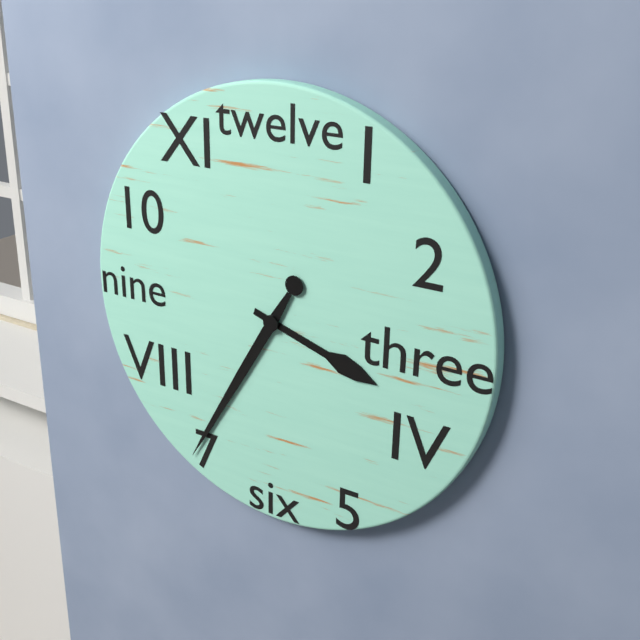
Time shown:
**3:35**
